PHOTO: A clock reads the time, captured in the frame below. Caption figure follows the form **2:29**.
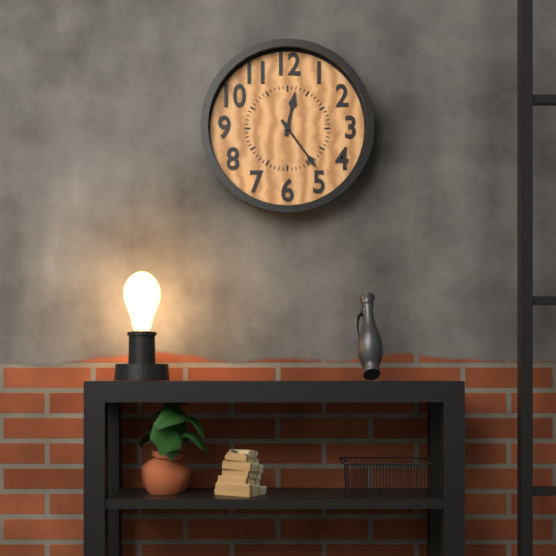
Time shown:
**12:24**
